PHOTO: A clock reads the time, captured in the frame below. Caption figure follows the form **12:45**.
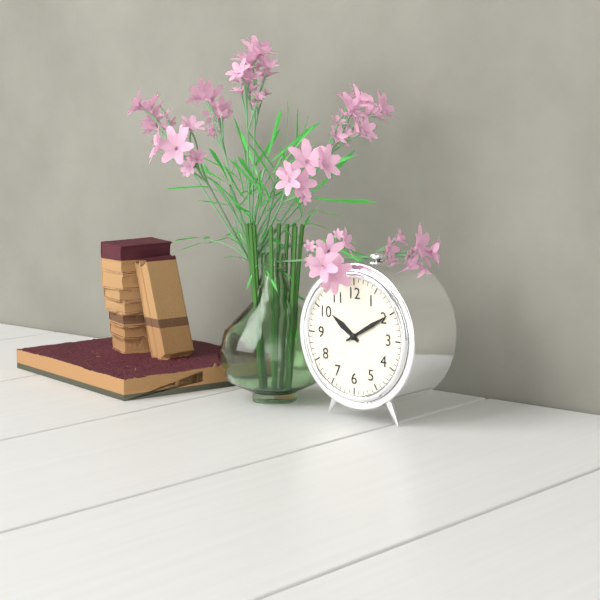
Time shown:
**10:10**
